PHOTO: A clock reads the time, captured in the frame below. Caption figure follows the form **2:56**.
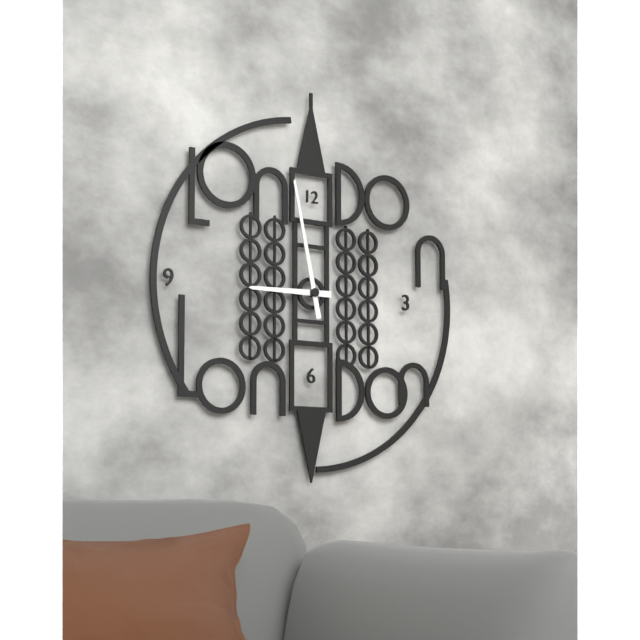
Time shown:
**8:58**
